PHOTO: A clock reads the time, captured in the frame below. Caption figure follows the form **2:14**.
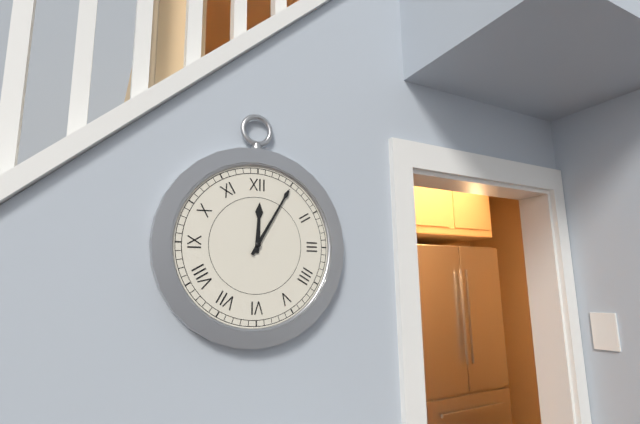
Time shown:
**12:05**
